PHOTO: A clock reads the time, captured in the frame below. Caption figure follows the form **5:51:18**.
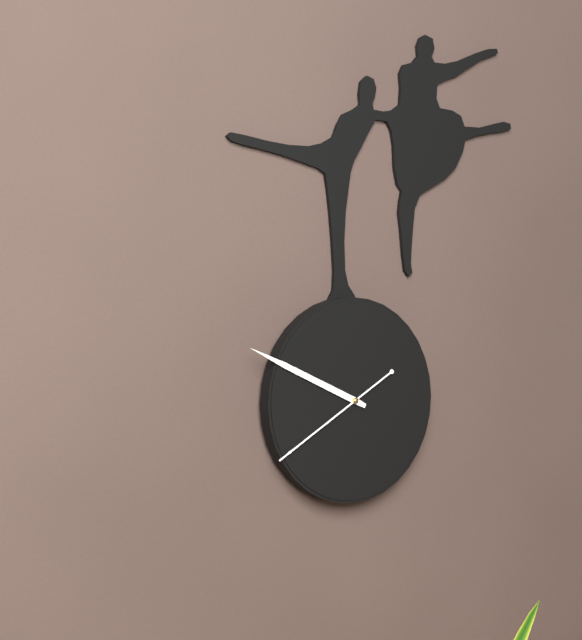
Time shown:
**9:49:40**
